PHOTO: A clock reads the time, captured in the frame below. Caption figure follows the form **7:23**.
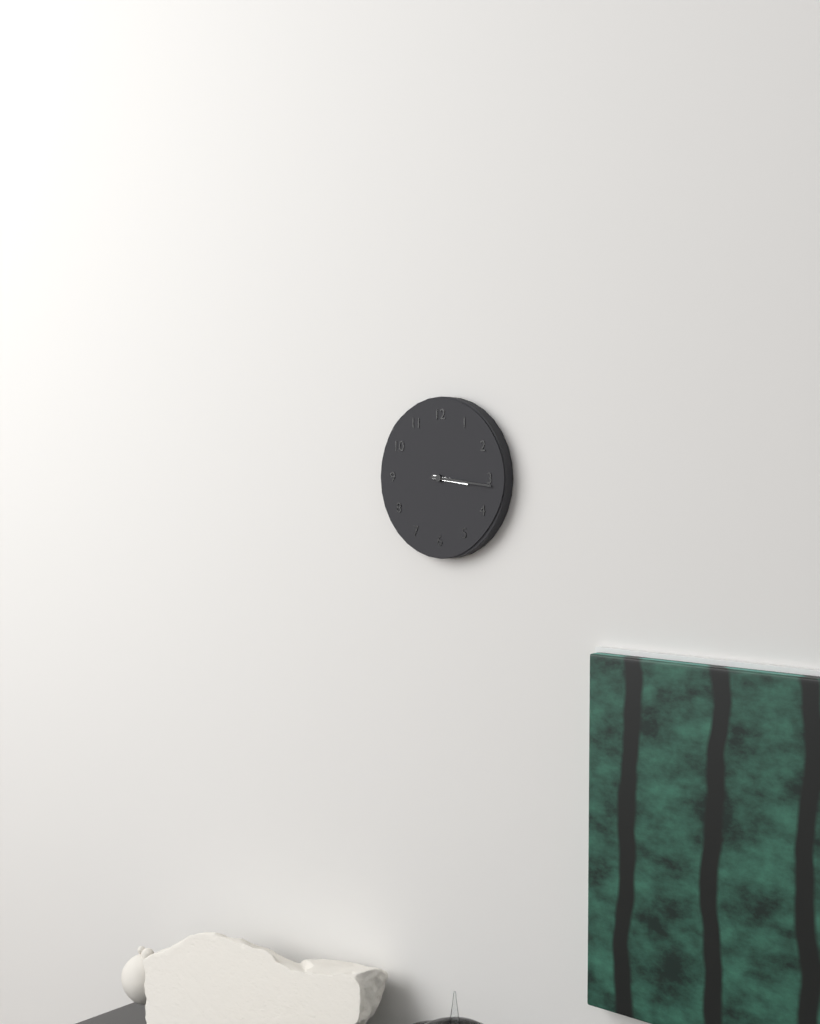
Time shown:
**3:16**
